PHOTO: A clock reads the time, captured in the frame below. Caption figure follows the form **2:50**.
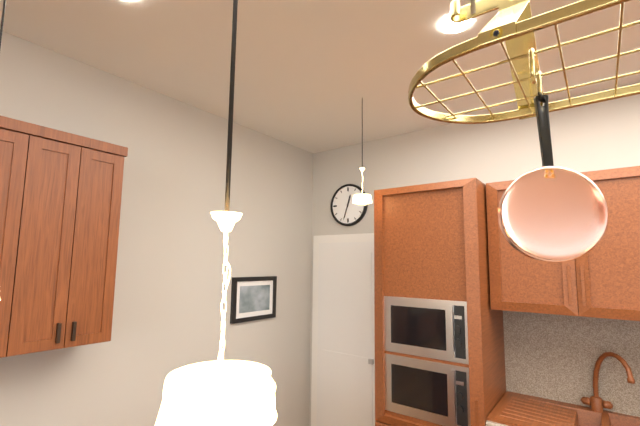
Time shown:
**12:33**
